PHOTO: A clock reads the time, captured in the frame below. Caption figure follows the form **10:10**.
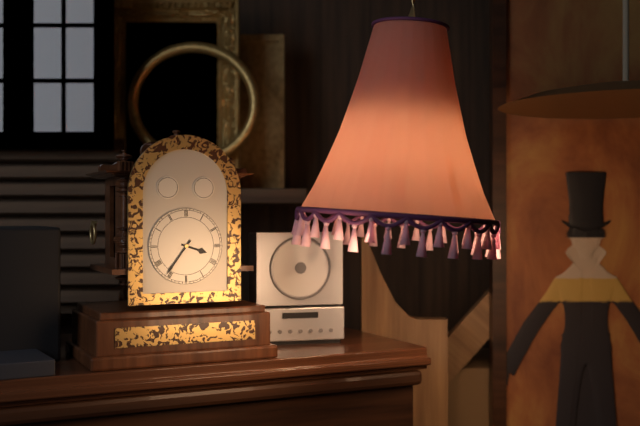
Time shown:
**3:36**
